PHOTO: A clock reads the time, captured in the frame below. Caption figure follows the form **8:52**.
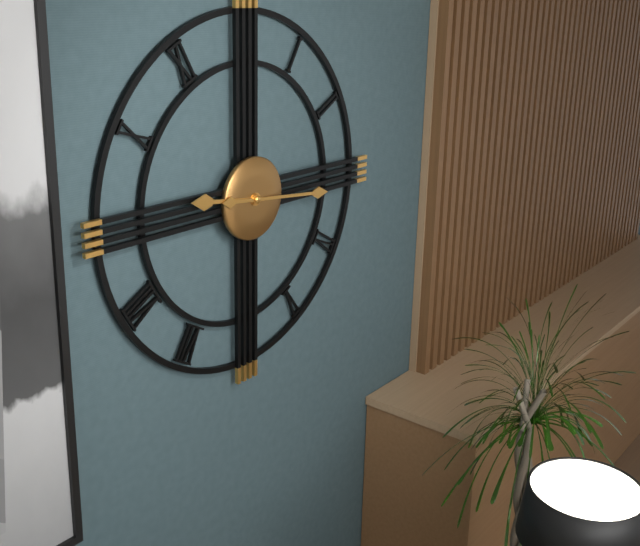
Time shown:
**9:16**
